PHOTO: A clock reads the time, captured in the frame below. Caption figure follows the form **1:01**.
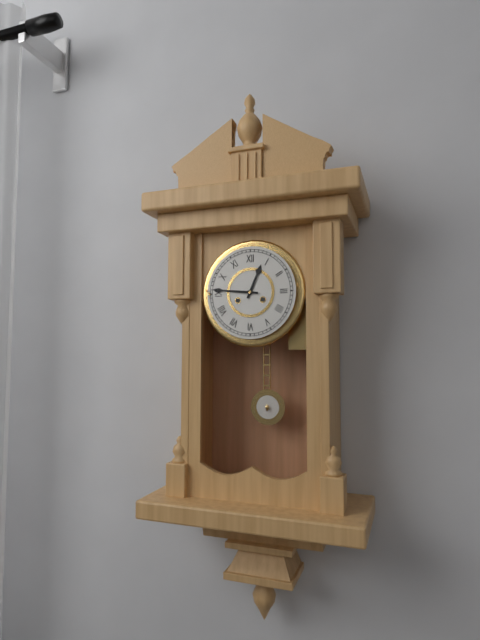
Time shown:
**12:46**
